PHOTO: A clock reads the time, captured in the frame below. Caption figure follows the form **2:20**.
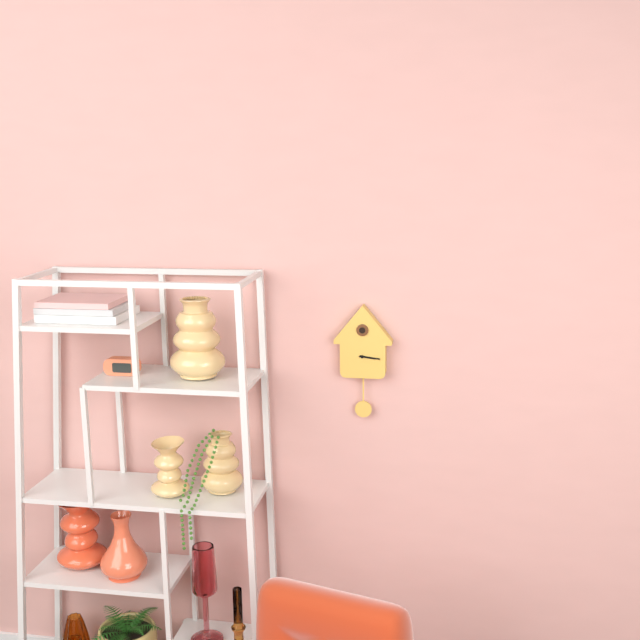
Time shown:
**3:16**
